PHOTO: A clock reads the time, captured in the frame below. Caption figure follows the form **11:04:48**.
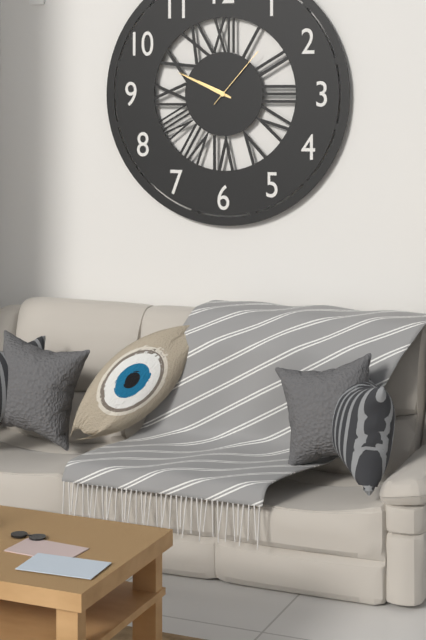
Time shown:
**9:49:07**
